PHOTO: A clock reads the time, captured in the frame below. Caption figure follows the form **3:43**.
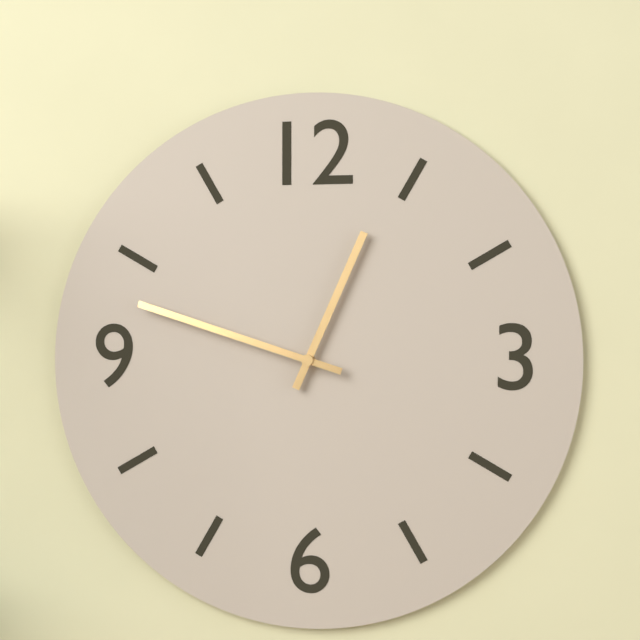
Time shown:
**12:48**
